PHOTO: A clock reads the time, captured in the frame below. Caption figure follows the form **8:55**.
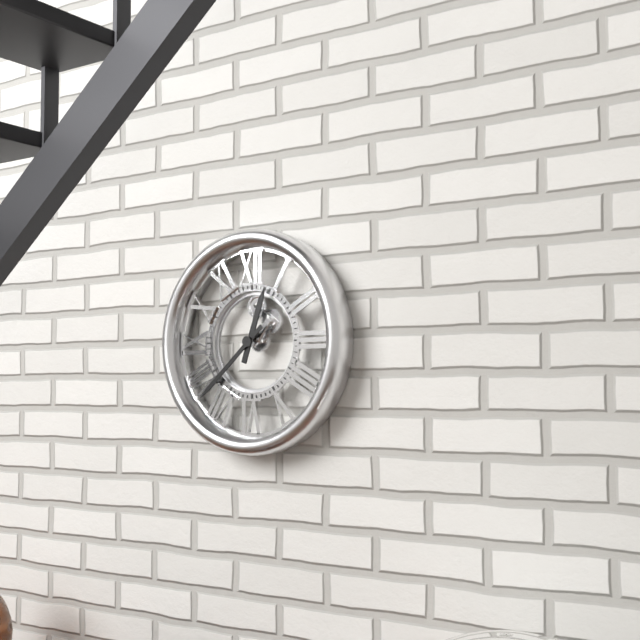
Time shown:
**12:38**
